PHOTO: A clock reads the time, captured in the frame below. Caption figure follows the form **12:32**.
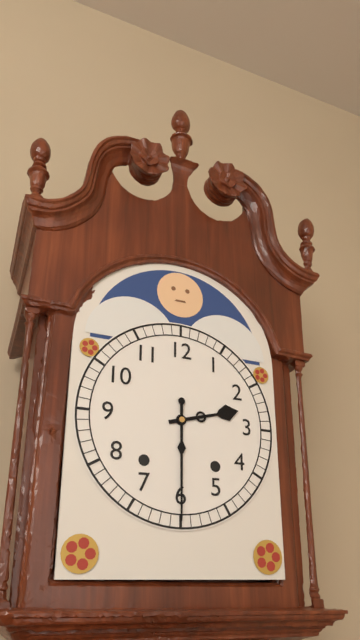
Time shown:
**2:30**
